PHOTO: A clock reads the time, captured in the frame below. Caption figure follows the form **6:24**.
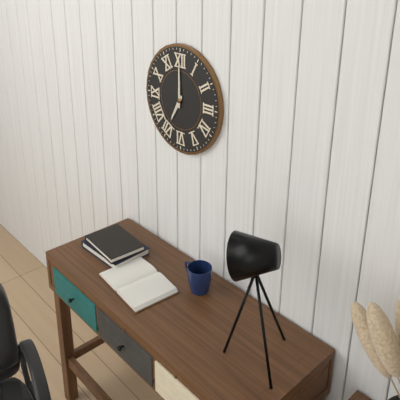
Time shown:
**7:00**
